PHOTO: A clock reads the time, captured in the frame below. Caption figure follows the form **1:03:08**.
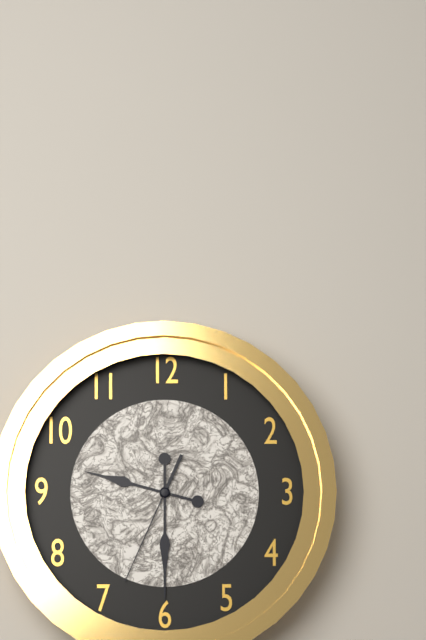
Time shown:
**9:30:34**
